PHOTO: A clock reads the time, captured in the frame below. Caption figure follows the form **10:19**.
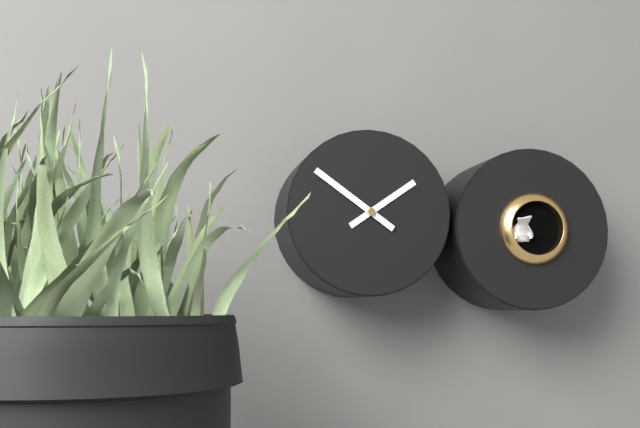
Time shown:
**1:51**
